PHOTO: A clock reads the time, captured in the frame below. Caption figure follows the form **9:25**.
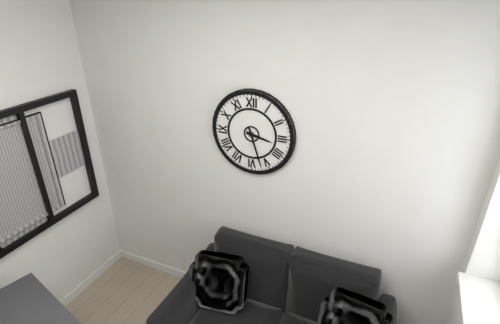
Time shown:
**3:27**
